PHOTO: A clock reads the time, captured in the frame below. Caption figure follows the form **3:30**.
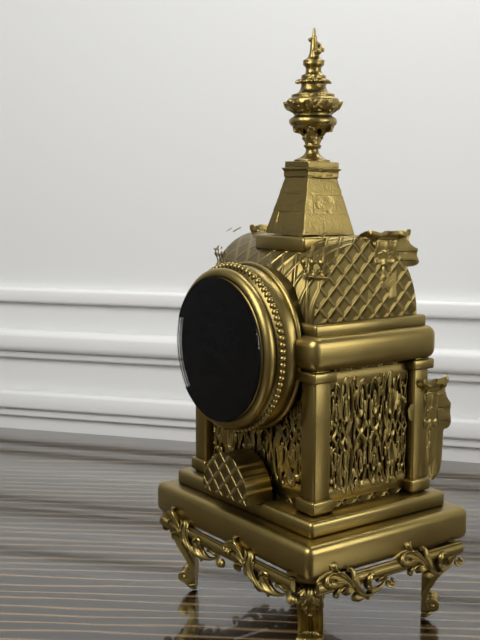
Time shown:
**2:40**
